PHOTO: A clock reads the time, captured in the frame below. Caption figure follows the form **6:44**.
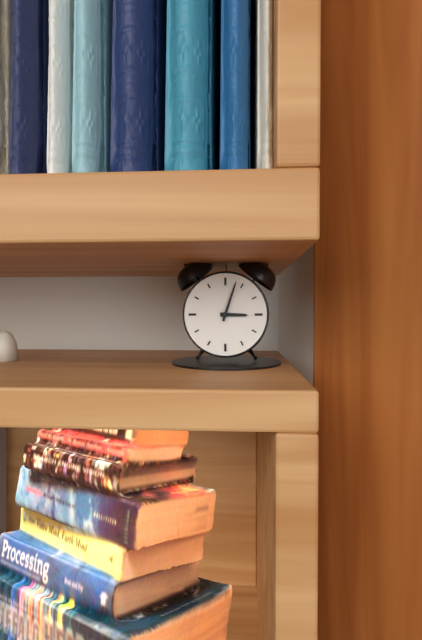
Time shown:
**3:03**
